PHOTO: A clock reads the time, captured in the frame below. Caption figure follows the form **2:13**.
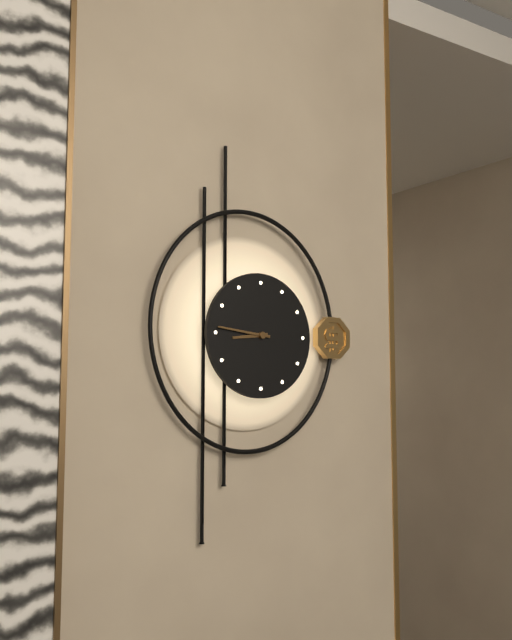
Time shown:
**8:46**
